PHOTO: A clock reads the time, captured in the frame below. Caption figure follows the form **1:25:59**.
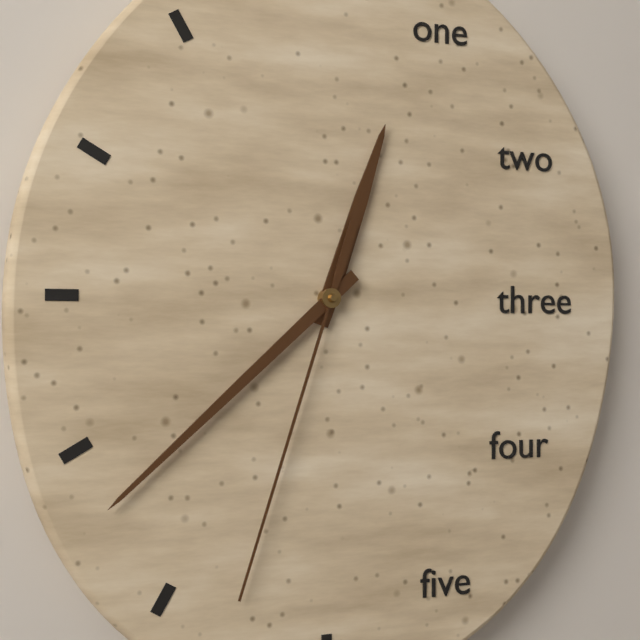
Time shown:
**12:38:33**
